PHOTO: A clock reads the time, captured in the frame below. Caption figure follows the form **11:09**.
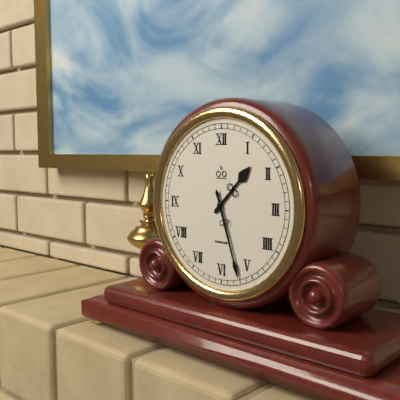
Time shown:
**1:27**
